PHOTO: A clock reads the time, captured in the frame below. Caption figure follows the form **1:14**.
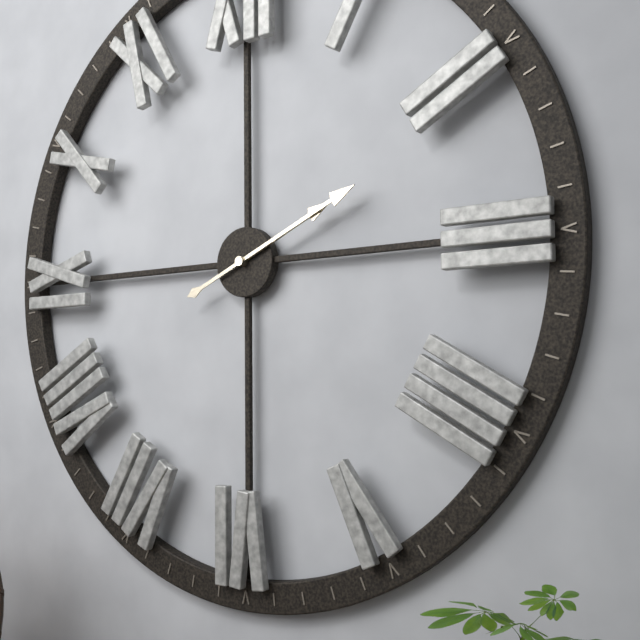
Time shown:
**2:11**
